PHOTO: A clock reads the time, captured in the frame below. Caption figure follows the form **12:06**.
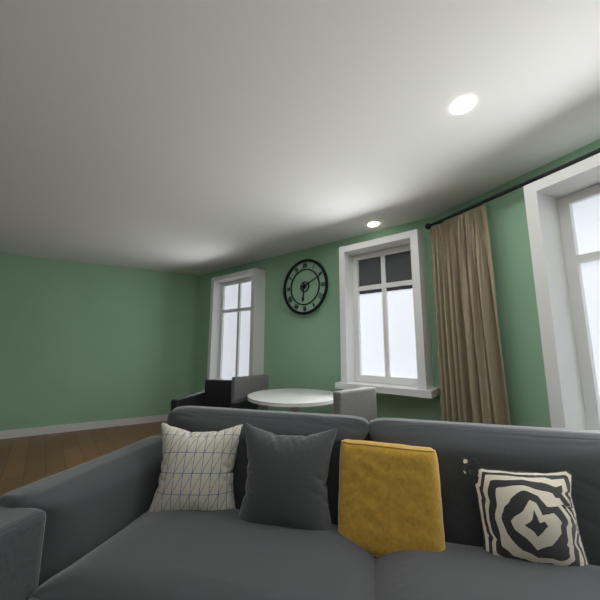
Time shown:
**6:11**
